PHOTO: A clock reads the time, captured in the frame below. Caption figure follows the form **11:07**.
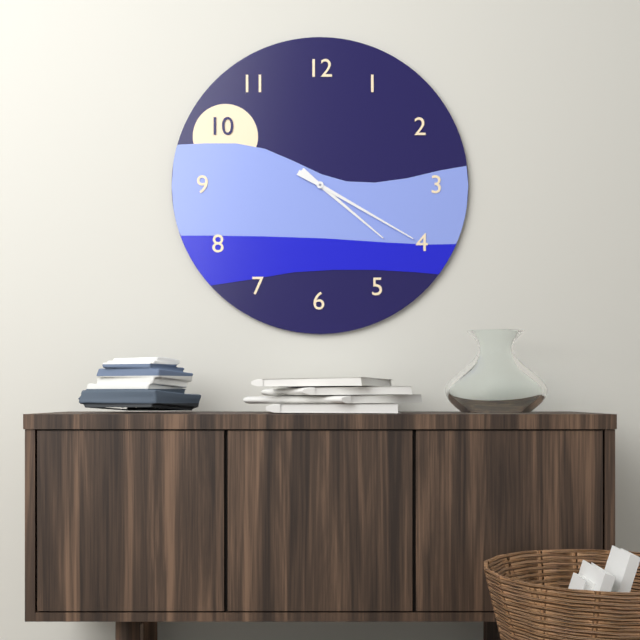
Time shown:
**4:20**
